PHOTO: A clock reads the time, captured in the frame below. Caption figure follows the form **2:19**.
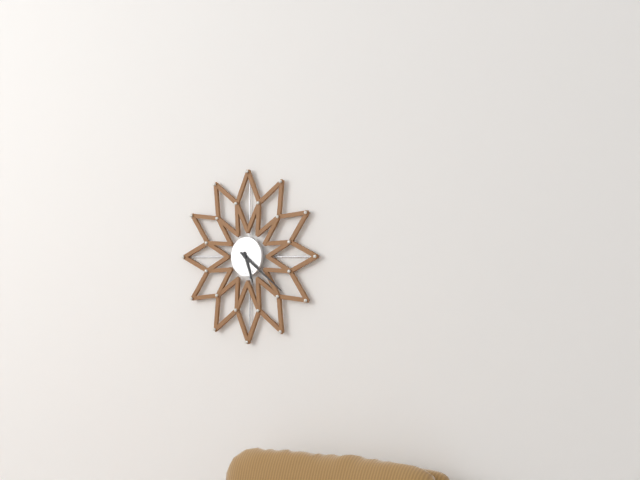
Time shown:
**5:21**
